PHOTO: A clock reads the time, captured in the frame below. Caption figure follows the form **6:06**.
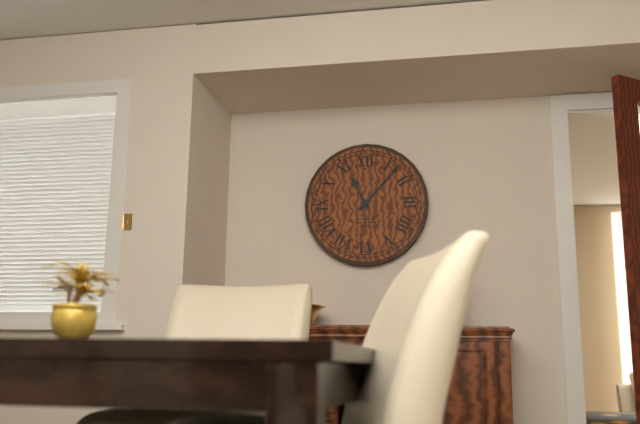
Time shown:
**11:07**
